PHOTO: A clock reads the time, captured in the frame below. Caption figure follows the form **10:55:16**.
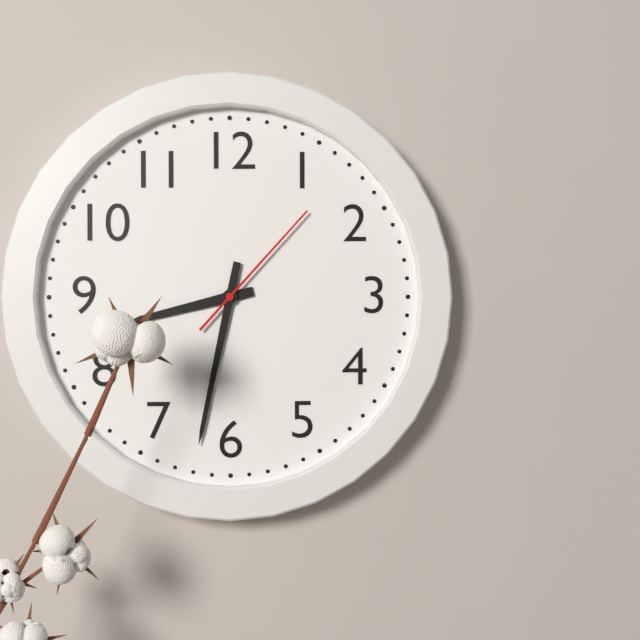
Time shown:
**8:32:07**
